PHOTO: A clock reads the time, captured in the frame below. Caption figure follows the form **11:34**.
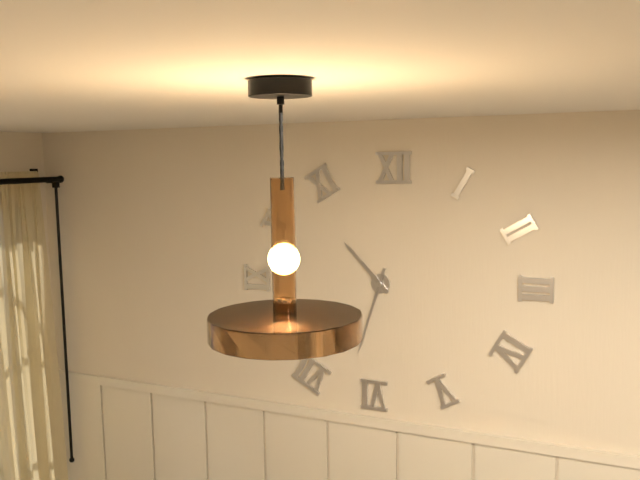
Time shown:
**10:33**
